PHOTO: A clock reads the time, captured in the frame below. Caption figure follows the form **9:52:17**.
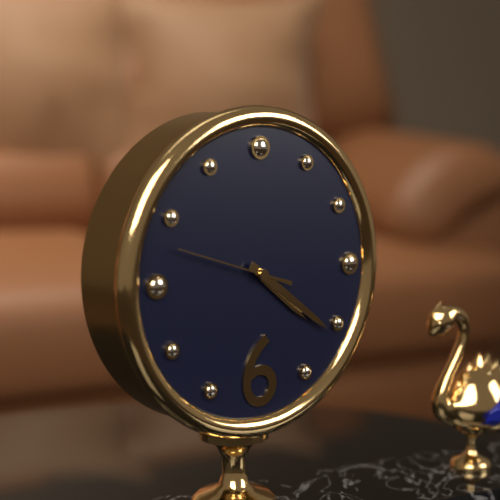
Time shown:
**4:21:48**
